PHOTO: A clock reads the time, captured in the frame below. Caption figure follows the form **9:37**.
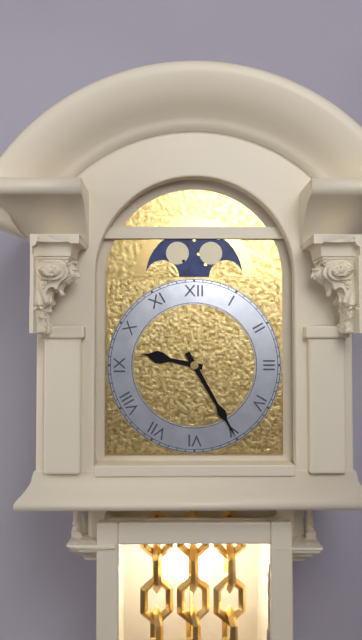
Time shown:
**9:25**
